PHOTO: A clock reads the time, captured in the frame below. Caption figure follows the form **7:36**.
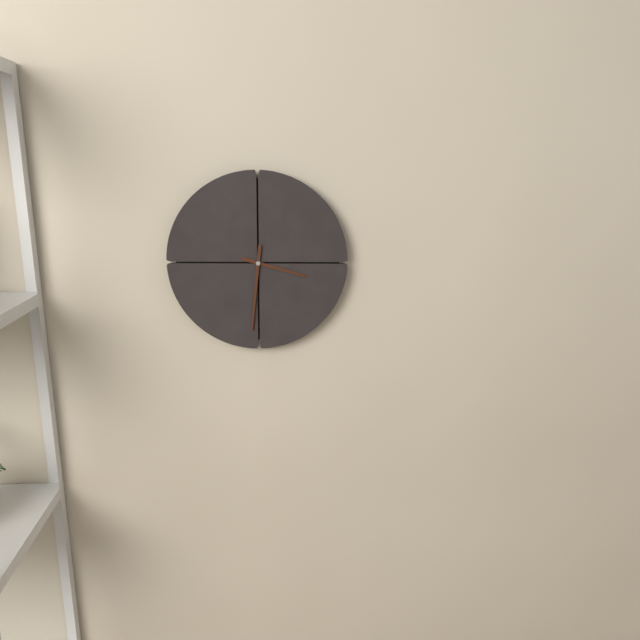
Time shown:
**3:31**
